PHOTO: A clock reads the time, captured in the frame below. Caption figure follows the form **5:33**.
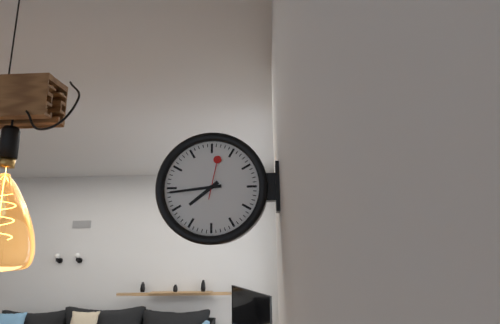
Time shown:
**7:44**
